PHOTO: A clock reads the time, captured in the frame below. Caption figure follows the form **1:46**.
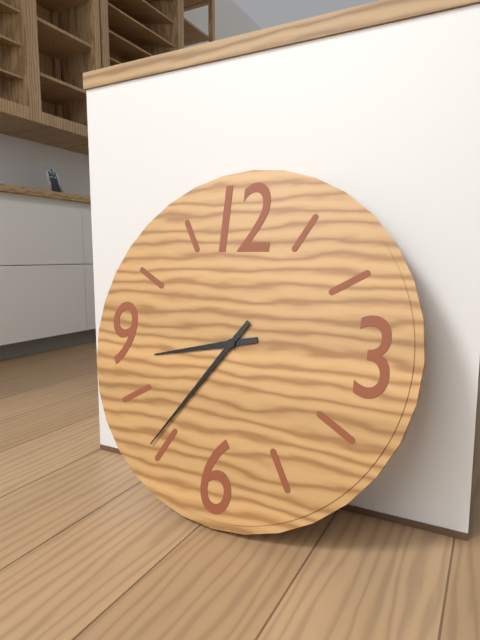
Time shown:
**8:36**
